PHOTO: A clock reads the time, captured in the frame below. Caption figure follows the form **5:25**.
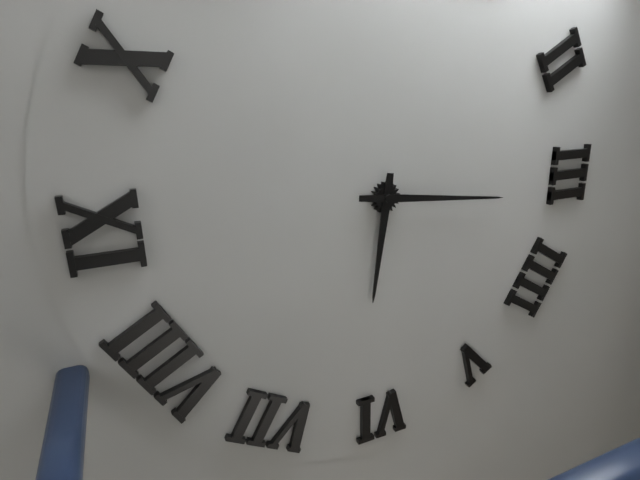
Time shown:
**6:16**
